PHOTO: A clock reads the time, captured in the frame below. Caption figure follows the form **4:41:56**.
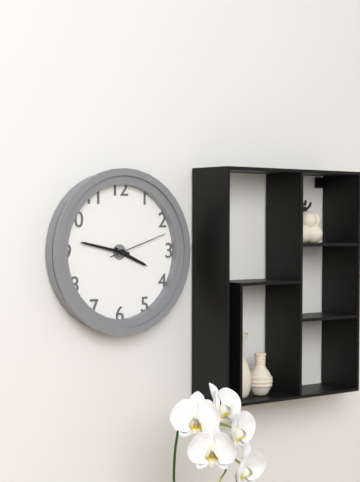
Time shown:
**3:47:12**
